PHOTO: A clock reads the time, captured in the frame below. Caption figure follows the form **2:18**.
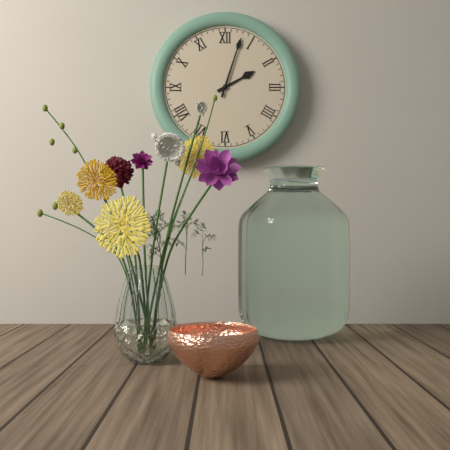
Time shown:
**2:03**
